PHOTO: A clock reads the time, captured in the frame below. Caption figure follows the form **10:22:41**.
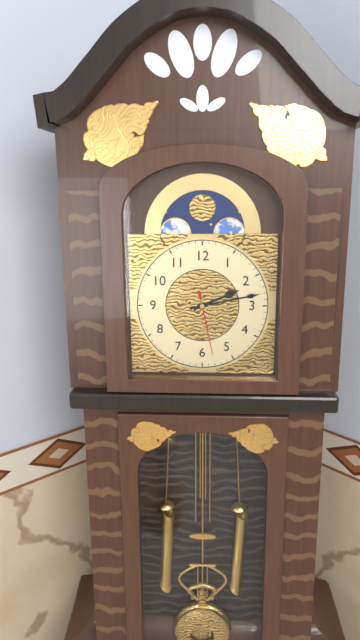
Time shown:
**2:13:28**
